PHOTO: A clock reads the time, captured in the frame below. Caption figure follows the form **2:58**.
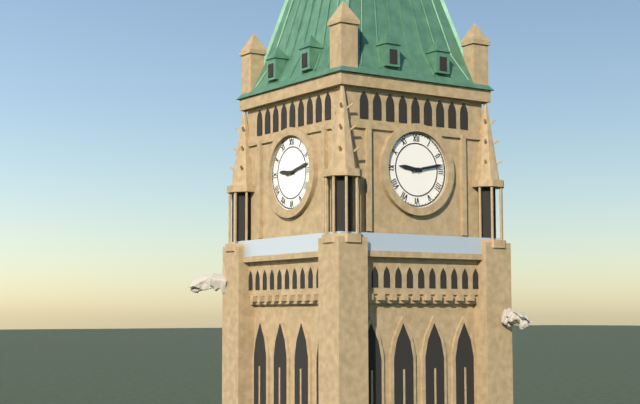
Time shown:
**9:13**
